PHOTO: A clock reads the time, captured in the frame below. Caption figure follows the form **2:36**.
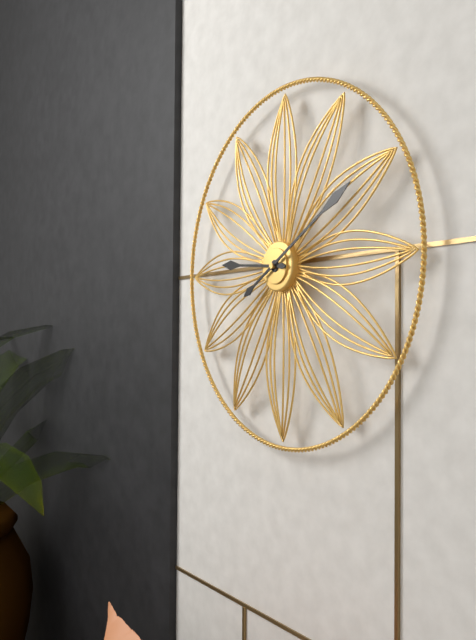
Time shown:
**9:10**
